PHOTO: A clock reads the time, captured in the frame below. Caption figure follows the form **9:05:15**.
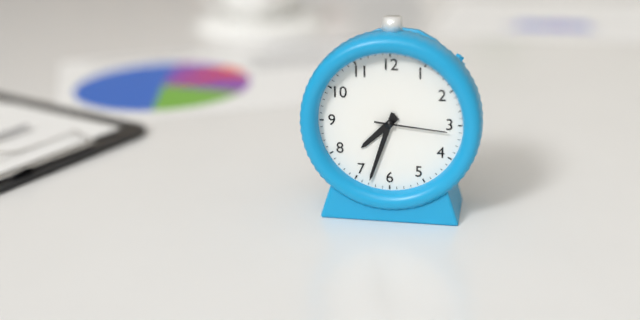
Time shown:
**7:33:16**
